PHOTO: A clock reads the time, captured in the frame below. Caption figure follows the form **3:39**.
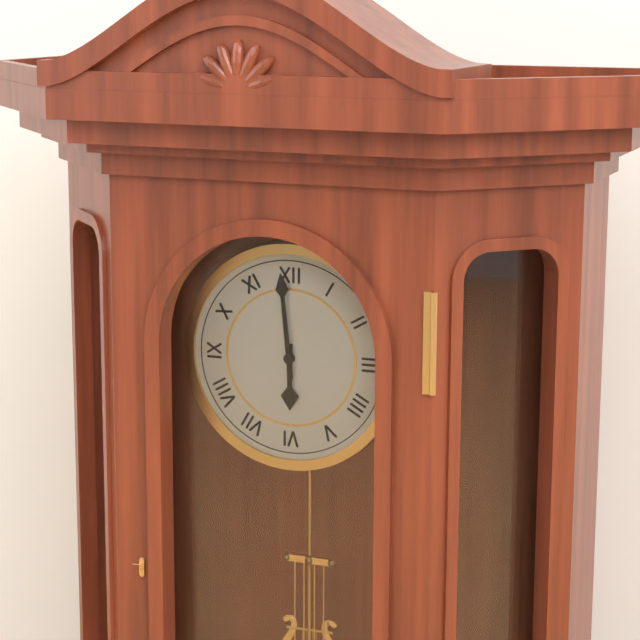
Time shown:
**5:59**
